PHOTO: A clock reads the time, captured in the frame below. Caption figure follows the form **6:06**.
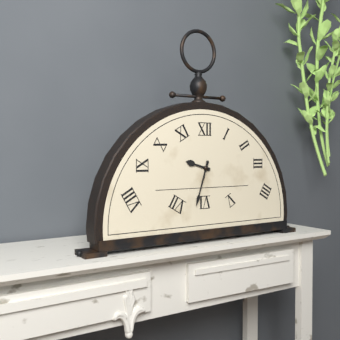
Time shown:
**9:33**
